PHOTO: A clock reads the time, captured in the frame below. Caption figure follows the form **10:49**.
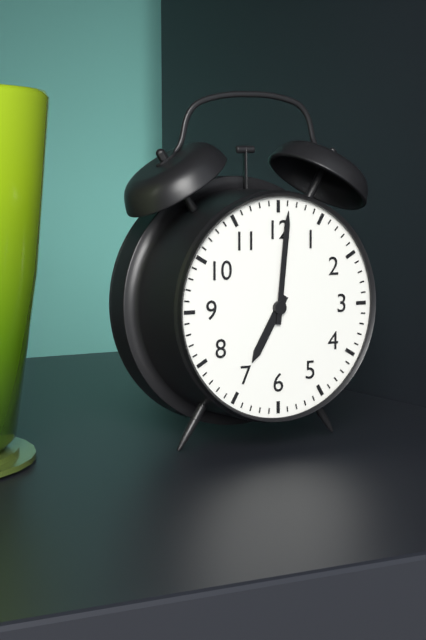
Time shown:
**7:01**
